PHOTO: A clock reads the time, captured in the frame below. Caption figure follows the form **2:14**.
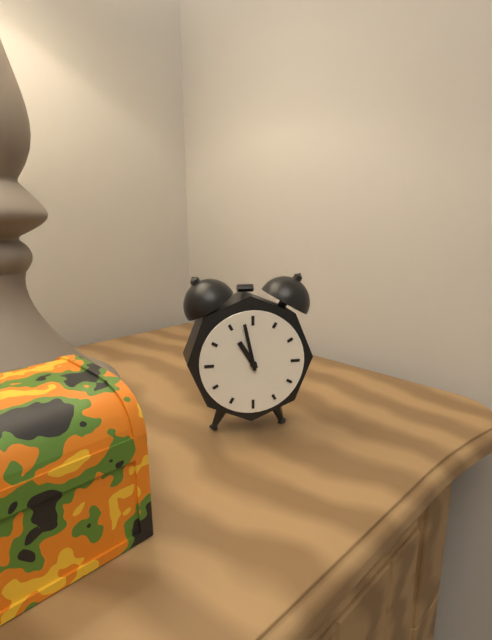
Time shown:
**10:58**
